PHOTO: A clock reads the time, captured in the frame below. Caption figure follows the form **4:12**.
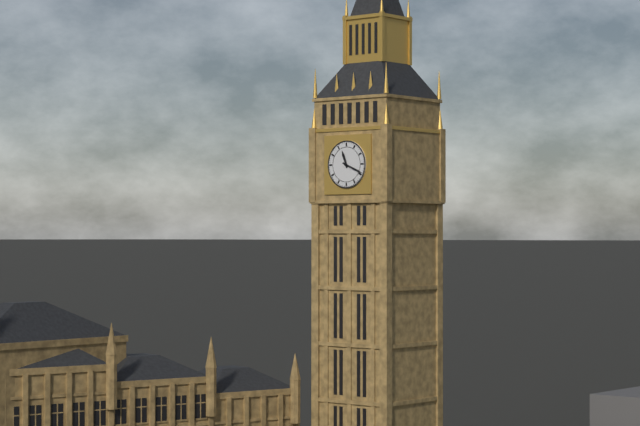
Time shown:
**11:19**
